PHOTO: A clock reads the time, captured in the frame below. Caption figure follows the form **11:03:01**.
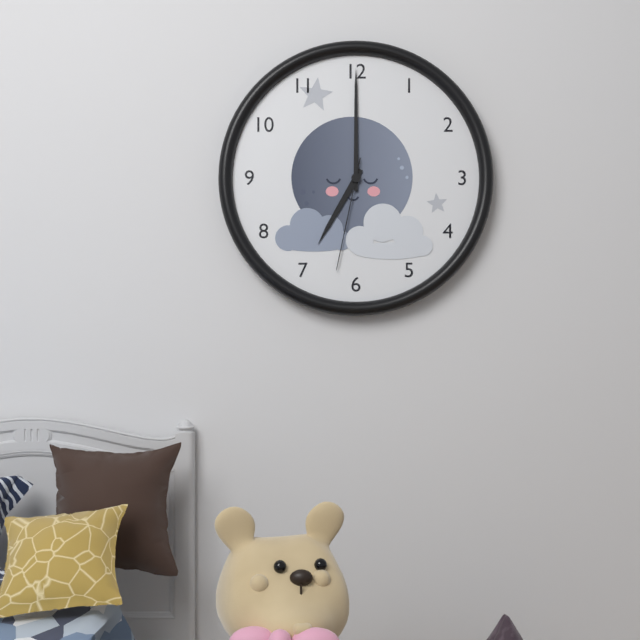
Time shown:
**7:00:32**
